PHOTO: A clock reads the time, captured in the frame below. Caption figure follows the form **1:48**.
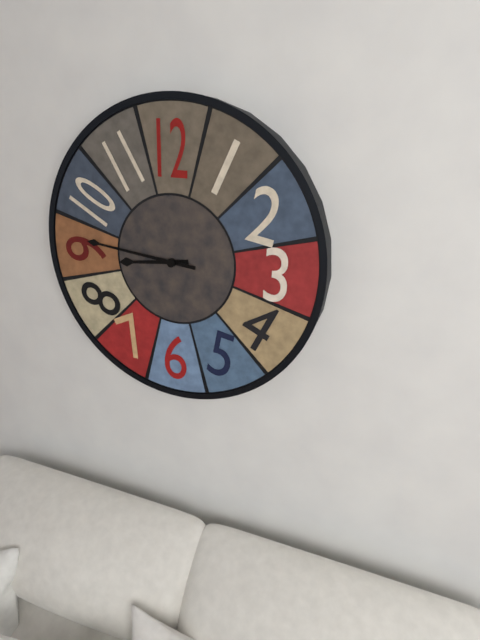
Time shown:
**8:46**
